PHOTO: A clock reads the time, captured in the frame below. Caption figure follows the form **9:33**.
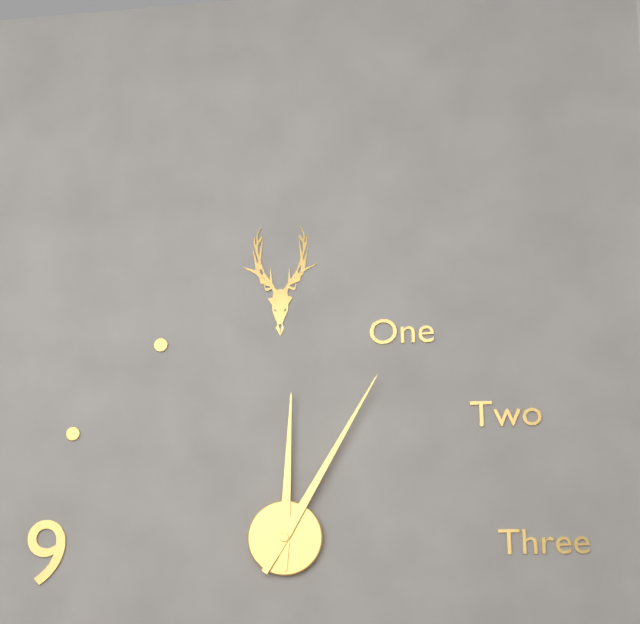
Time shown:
**12:05**
